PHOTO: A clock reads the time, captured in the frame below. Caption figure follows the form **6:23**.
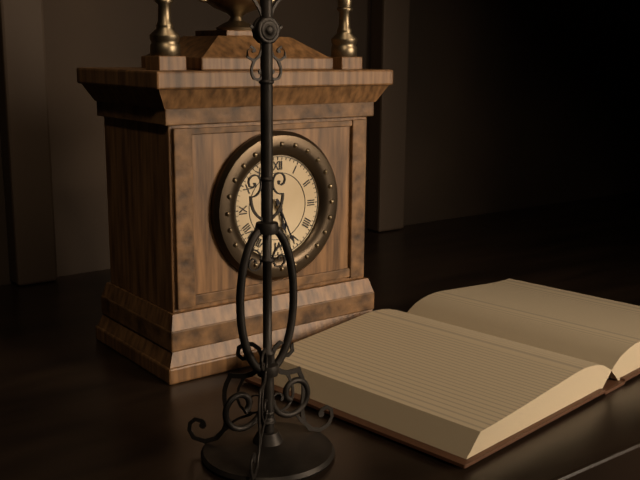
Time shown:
**5:26**
